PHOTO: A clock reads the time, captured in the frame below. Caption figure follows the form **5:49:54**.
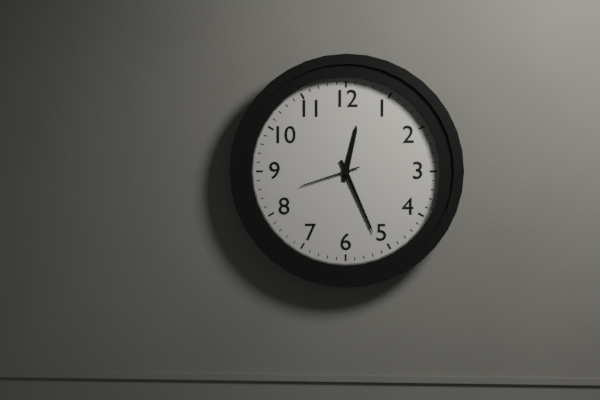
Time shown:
**12:26:42**
